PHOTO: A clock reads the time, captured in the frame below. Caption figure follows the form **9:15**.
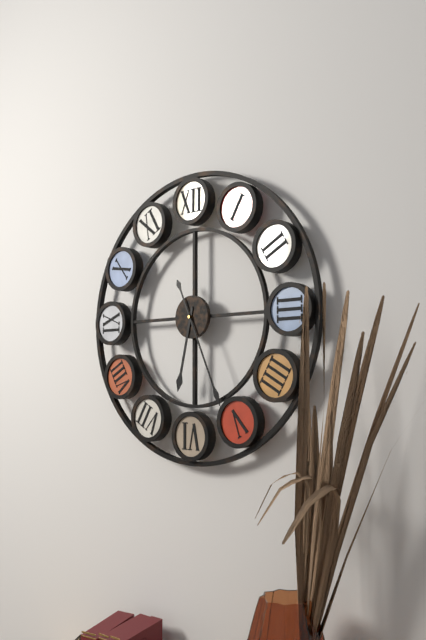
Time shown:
**6:26**
